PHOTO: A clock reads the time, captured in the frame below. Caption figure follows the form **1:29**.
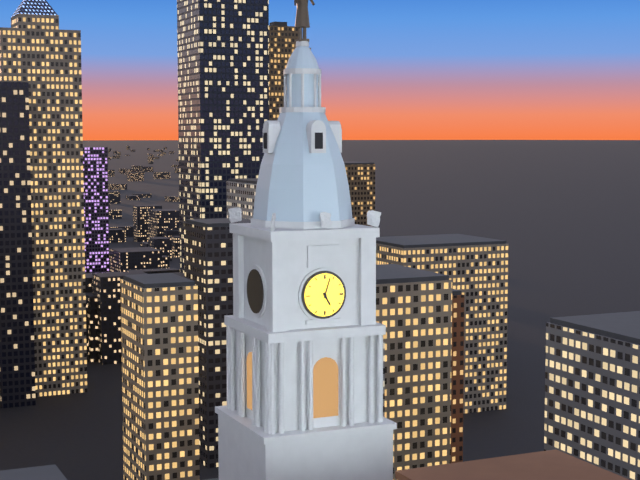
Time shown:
**5:03**
